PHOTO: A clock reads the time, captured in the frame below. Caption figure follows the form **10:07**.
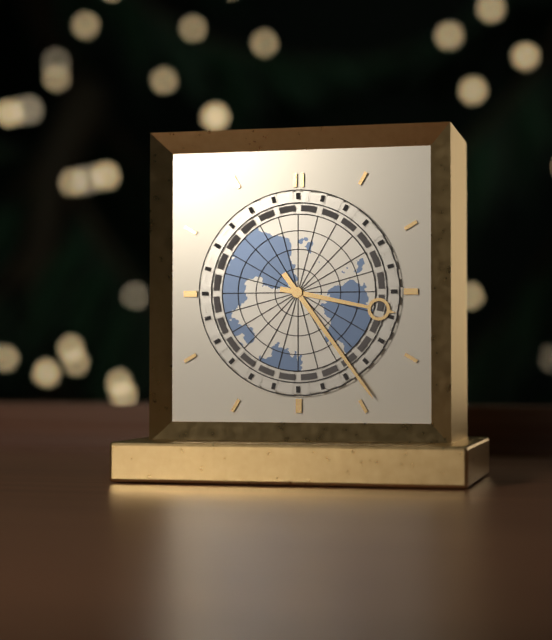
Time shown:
**3:24**
